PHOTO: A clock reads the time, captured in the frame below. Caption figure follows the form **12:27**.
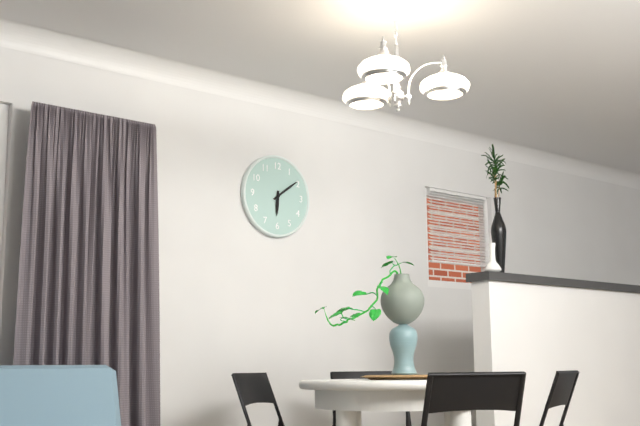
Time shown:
**6:09**
